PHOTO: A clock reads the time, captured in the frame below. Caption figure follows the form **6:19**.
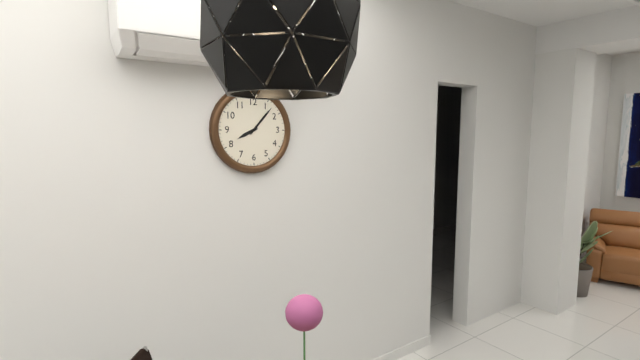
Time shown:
**8:07**
